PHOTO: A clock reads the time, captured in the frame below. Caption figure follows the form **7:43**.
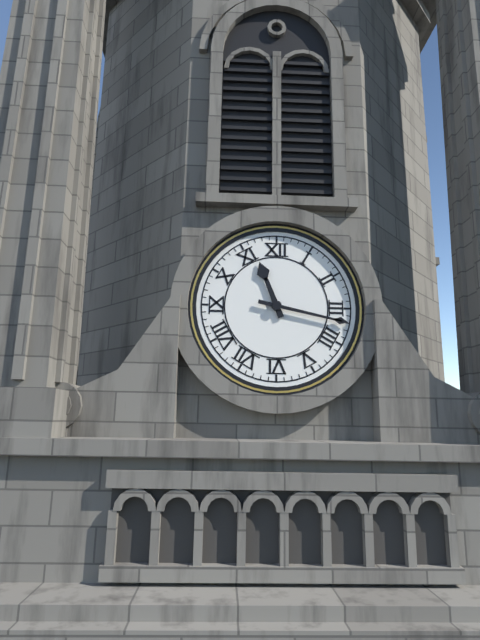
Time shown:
**11:17**
